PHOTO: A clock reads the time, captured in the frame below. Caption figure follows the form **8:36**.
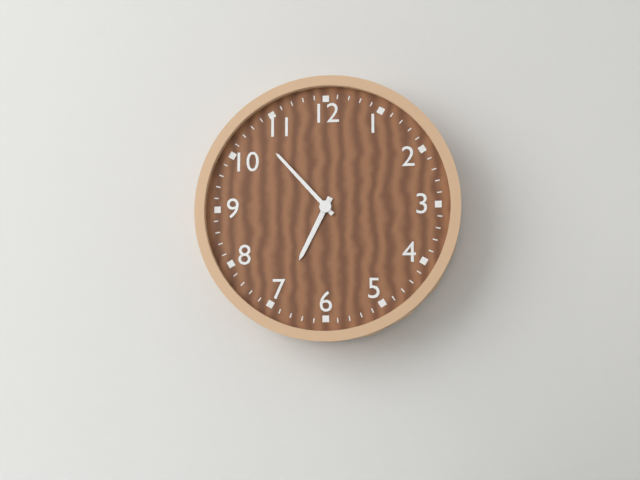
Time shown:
**6:53**
